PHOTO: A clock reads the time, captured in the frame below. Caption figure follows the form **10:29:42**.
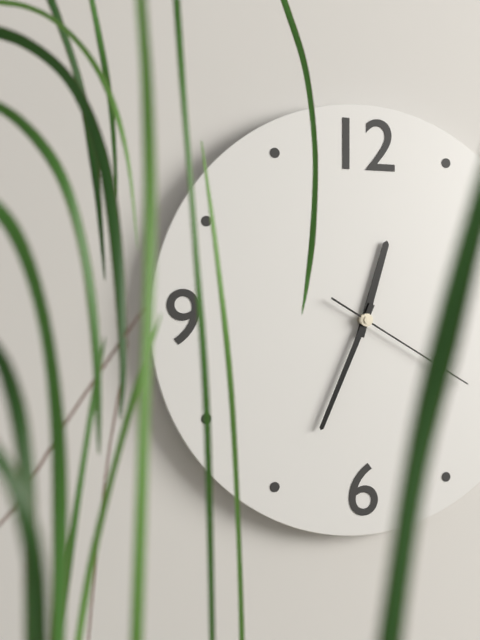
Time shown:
**12:34:20**
